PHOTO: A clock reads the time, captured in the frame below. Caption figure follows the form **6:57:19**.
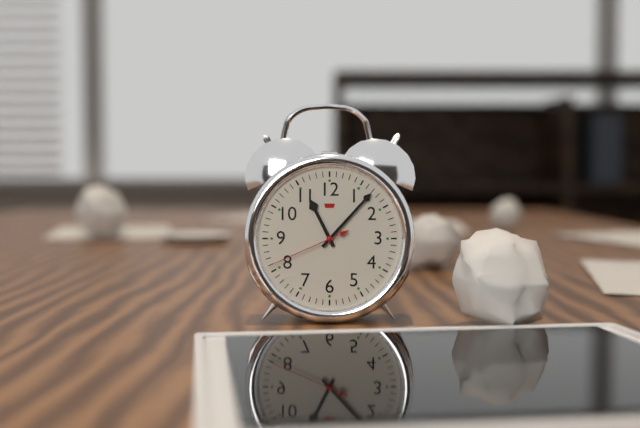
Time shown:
**11:07:41**
